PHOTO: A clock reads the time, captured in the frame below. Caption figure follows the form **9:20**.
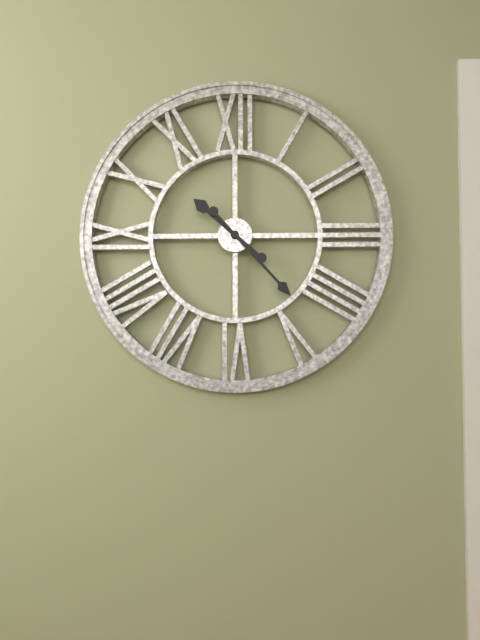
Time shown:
**10:23**
